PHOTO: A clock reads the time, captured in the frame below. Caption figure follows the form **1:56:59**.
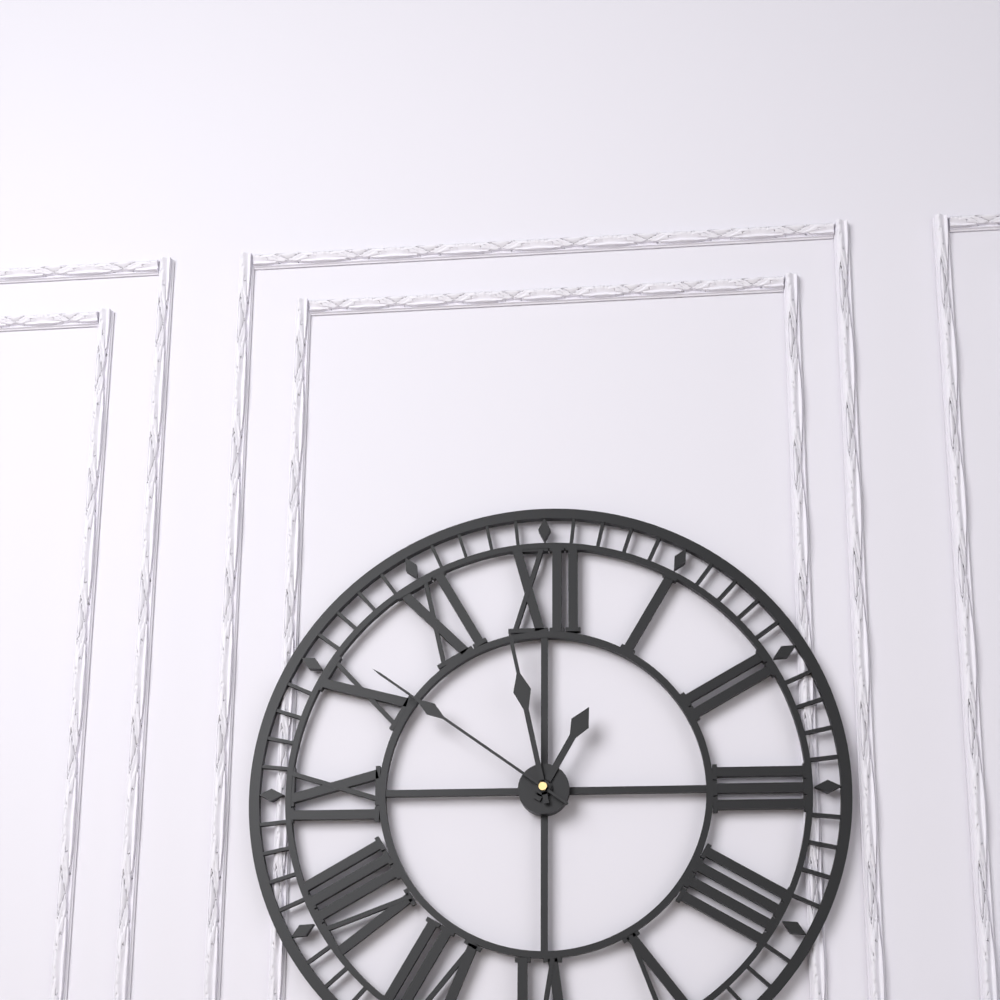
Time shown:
**12:58:51**
